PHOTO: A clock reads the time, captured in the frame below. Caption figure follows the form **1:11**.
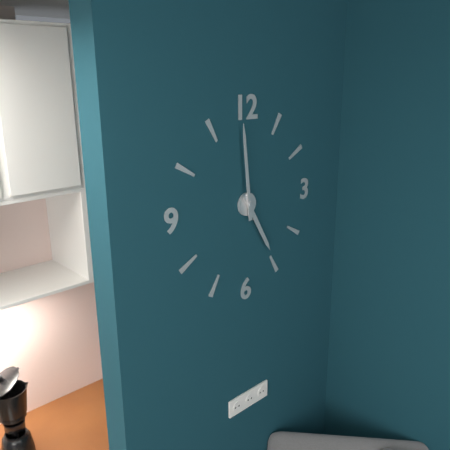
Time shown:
**4:59**
